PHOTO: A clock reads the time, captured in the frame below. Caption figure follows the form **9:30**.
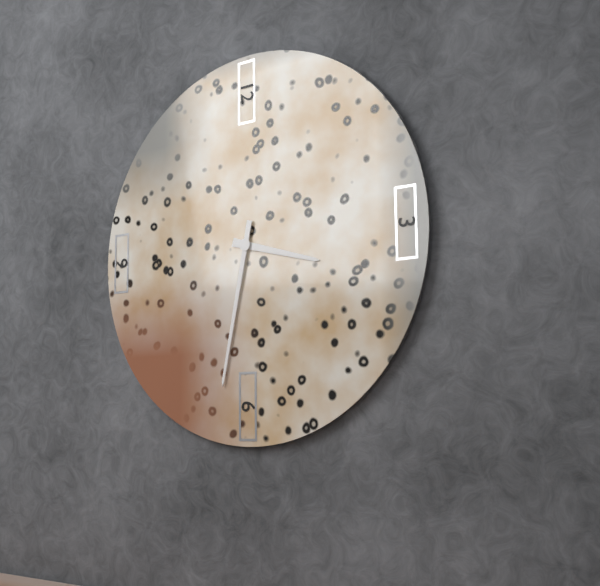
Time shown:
**3:32**
